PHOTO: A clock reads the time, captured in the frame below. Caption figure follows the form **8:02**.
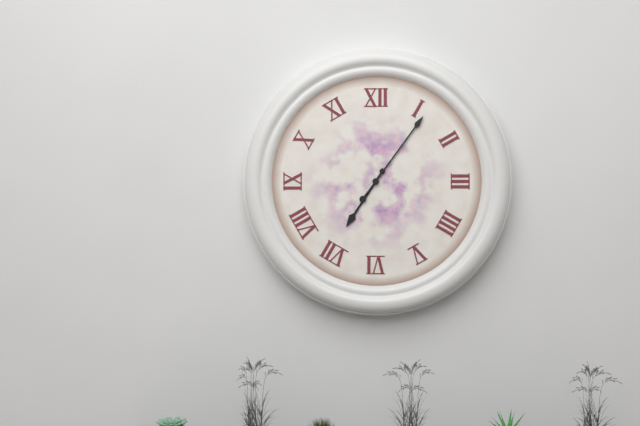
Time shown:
**7:06**
